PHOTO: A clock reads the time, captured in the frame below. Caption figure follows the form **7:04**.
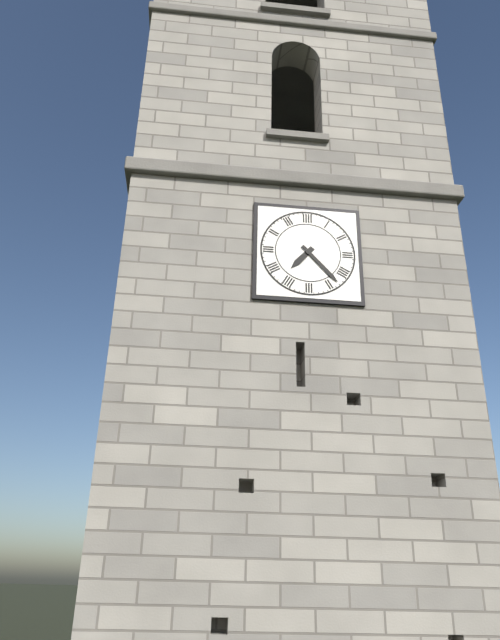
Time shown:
**7:23**
